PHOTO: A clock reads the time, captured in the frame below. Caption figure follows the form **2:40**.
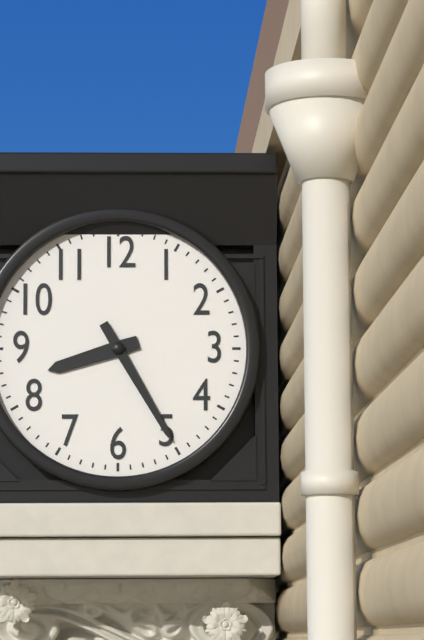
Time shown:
**8:25**
